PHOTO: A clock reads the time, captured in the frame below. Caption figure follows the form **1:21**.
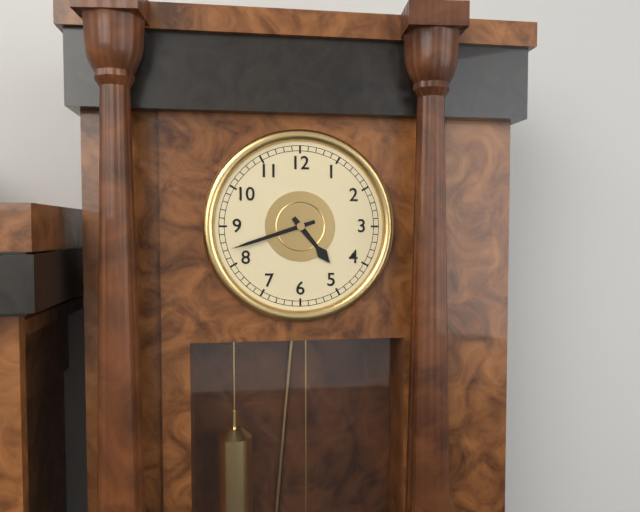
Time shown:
**4:42**
